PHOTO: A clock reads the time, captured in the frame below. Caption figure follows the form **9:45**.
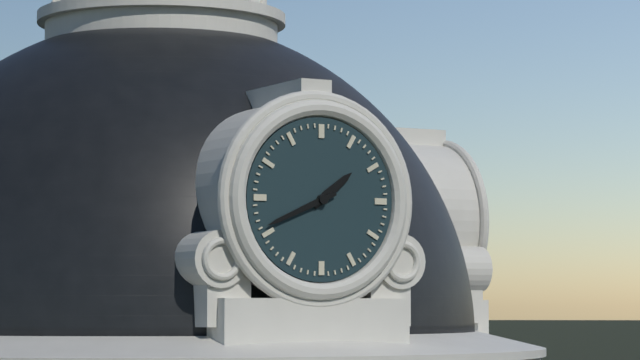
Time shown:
**1:41**
